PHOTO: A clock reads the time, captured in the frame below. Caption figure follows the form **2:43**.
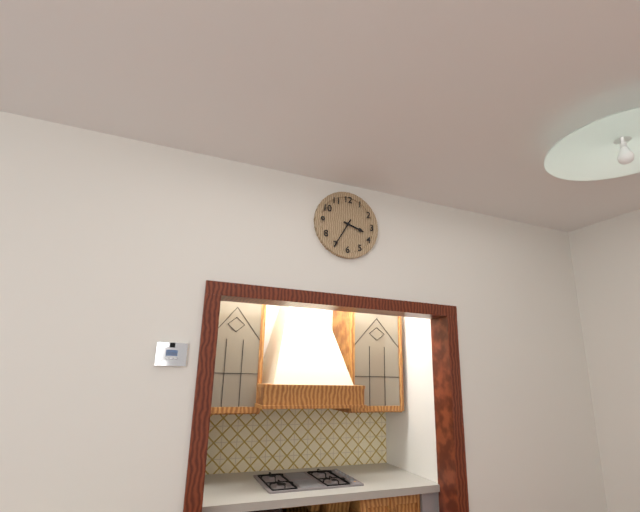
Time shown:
**3:35**
